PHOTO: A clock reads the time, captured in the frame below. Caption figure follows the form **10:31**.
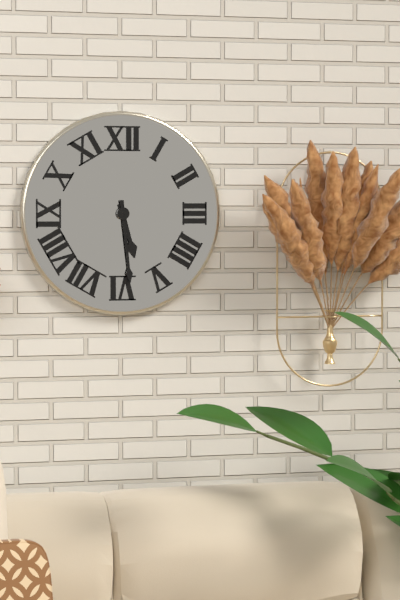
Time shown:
**5:29**
